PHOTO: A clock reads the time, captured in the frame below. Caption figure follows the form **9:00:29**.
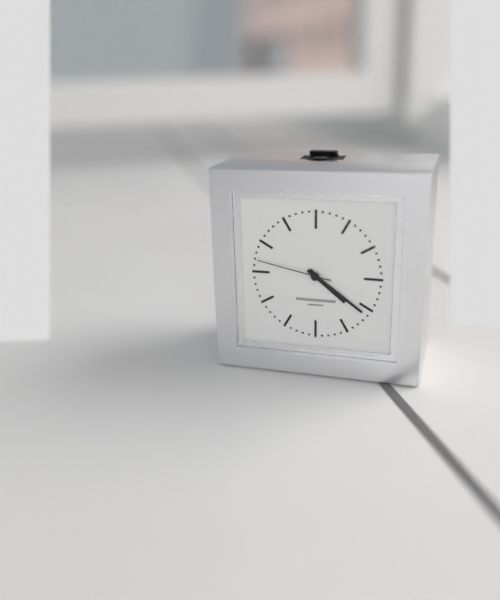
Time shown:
**4:21:47**
